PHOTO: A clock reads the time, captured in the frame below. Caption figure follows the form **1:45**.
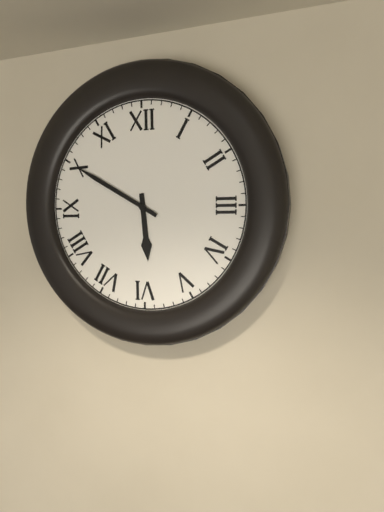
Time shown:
**5:50**
